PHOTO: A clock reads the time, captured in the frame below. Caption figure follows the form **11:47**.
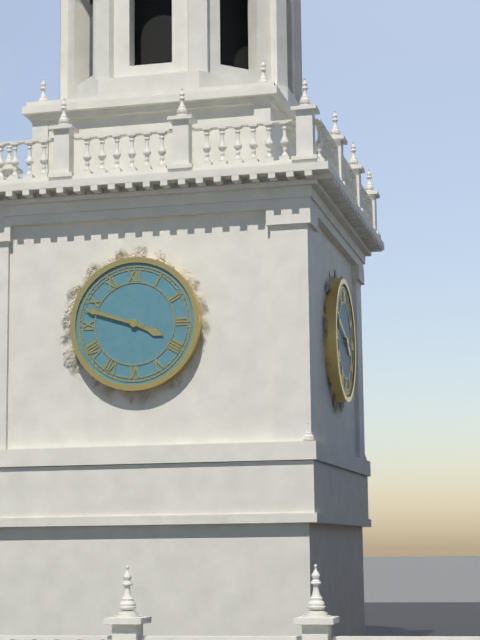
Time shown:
**3:48**
